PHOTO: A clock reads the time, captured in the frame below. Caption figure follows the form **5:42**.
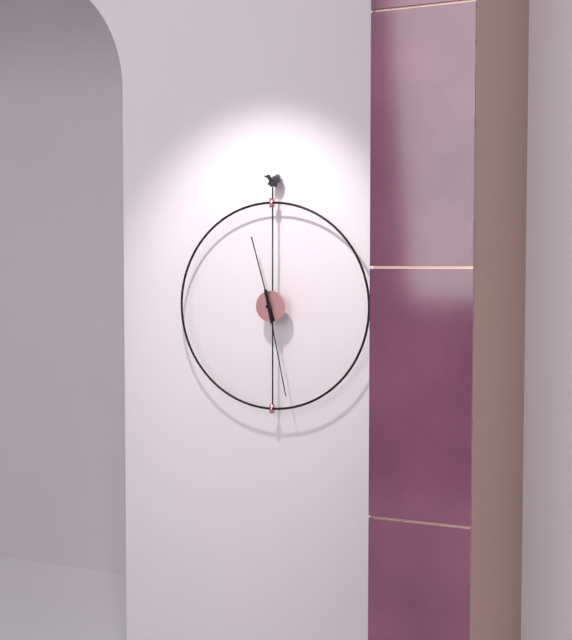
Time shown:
**11:28**
